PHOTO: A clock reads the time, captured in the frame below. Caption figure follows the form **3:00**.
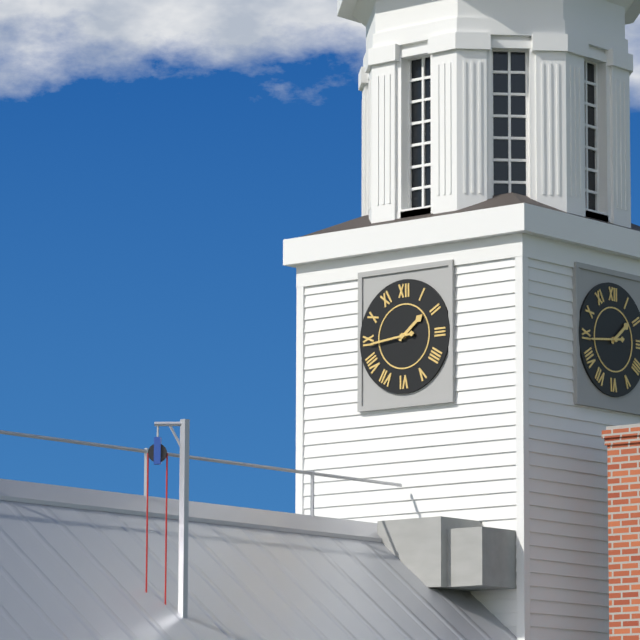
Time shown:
**1:44**
